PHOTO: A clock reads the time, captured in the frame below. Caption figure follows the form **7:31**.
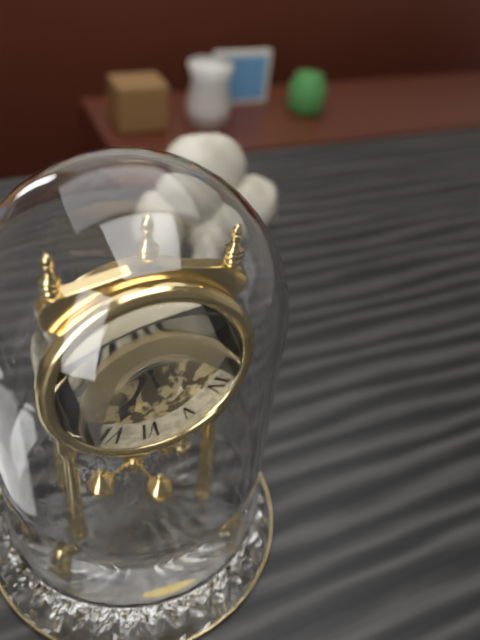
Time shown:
**6:57**
